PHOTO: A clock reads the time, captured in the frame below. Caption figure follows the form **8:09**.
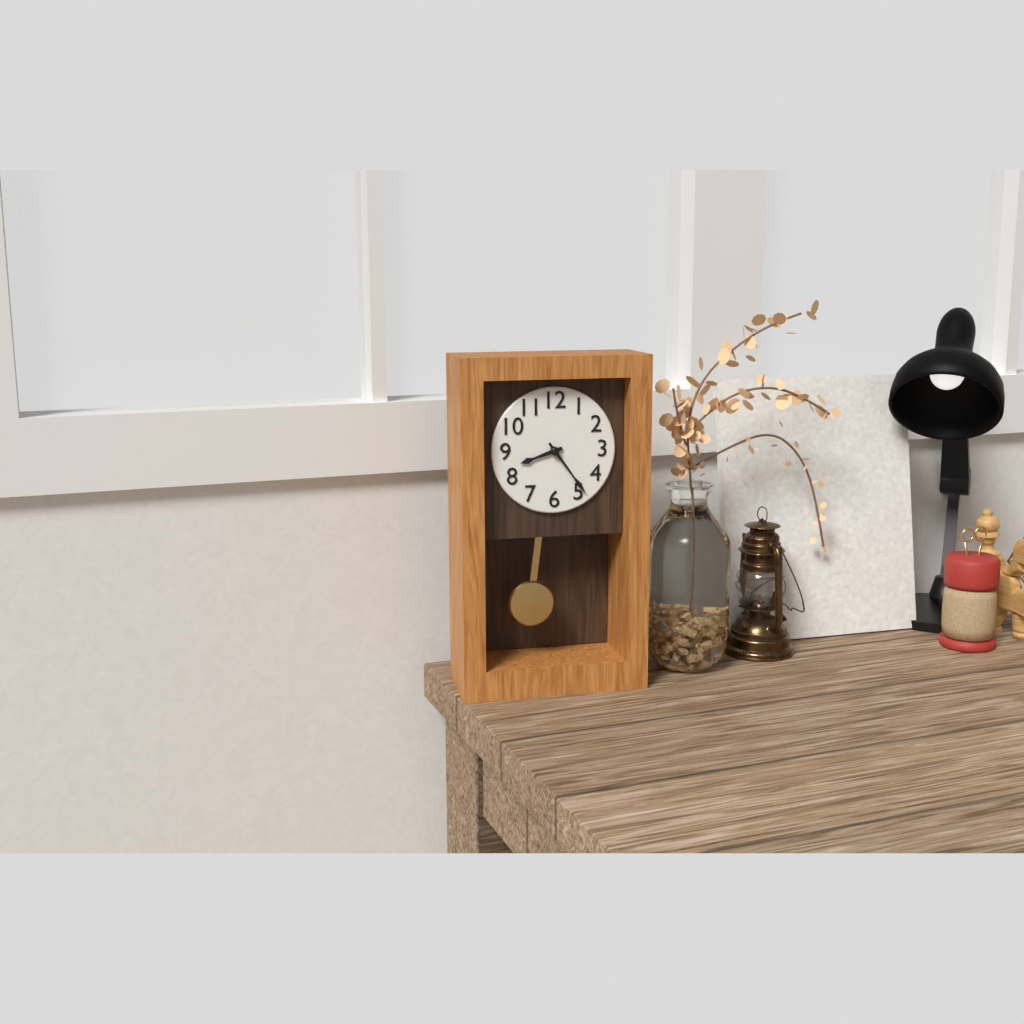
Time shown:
**8:24**
